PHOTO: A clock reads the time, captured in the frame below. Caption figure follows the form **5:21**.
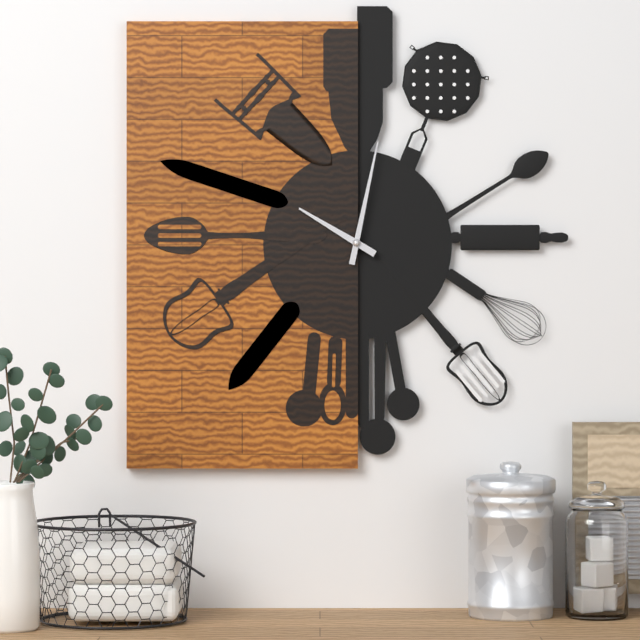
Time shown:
**10:02**
